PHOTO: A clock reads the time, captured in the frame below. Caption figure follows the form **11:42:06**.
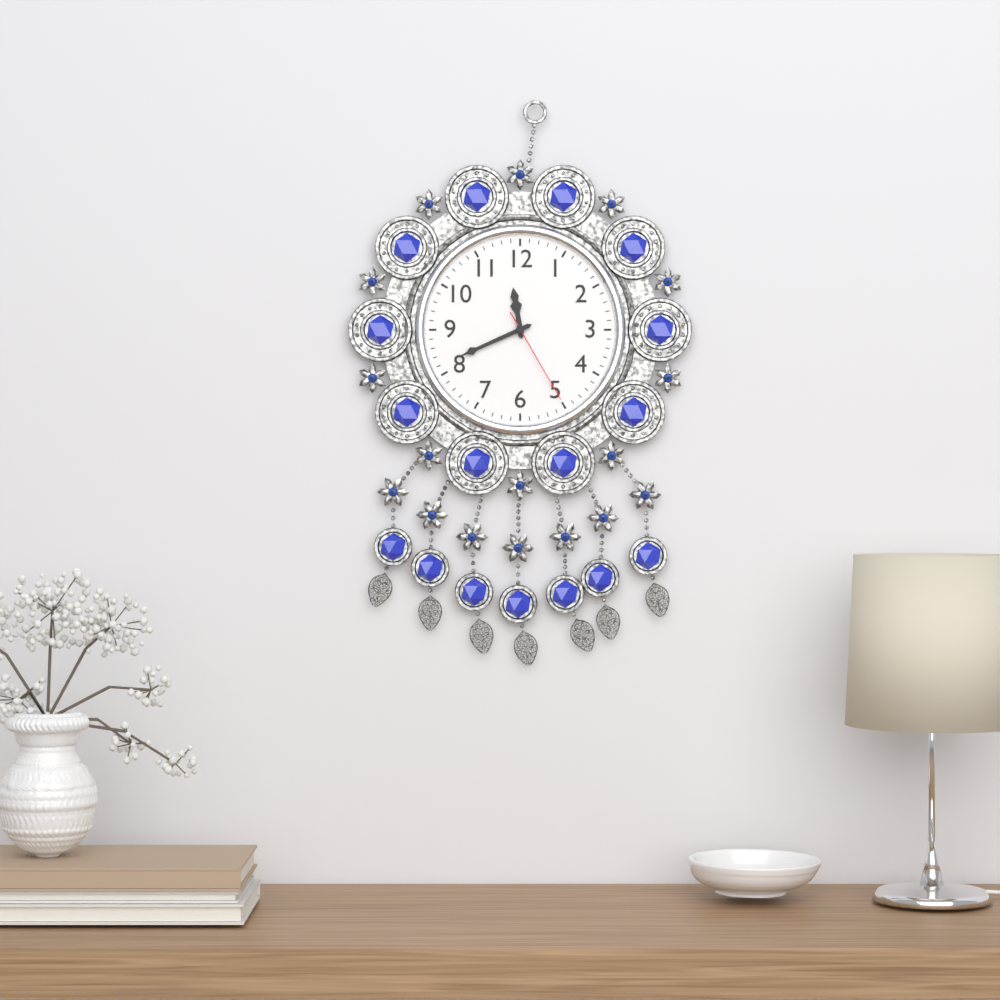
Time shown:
**11:41:25**
